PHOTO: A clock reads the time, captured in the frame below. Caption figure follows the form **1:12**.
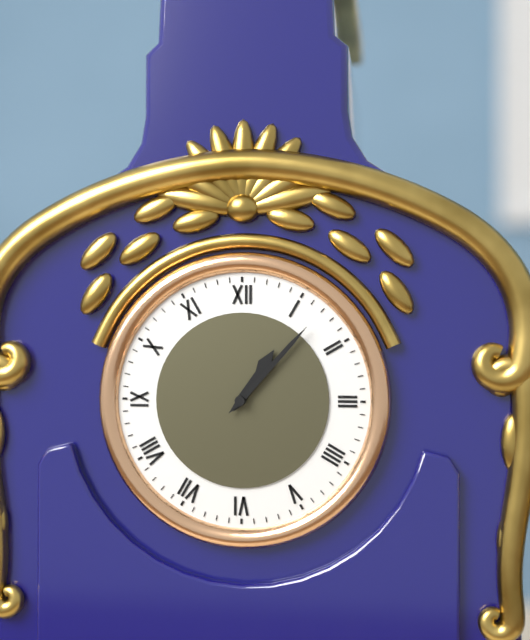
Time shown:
**1:07**
